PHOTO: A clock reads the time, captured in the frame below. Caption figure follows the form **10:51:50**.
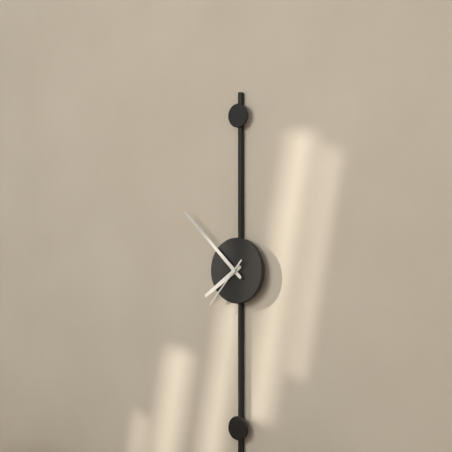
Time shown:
**7:52:37**
